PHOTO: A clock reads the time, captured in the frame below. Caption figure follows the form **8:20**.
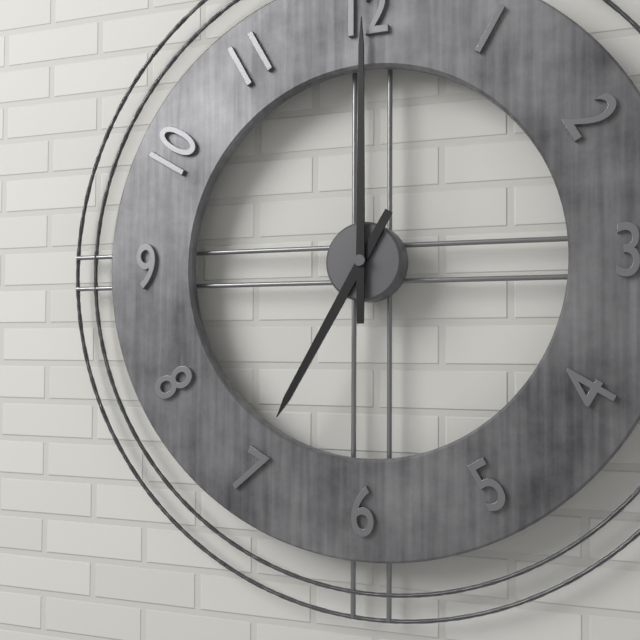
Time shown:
**7:00**
